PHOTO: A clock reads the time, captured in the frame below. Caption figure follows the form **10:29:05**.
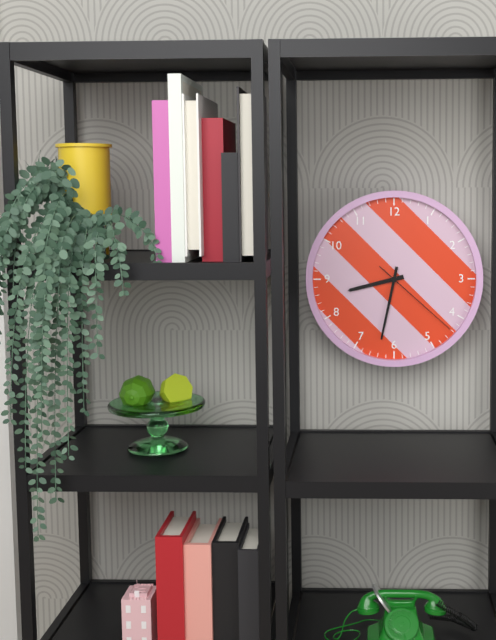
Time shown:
**8:32:22**
